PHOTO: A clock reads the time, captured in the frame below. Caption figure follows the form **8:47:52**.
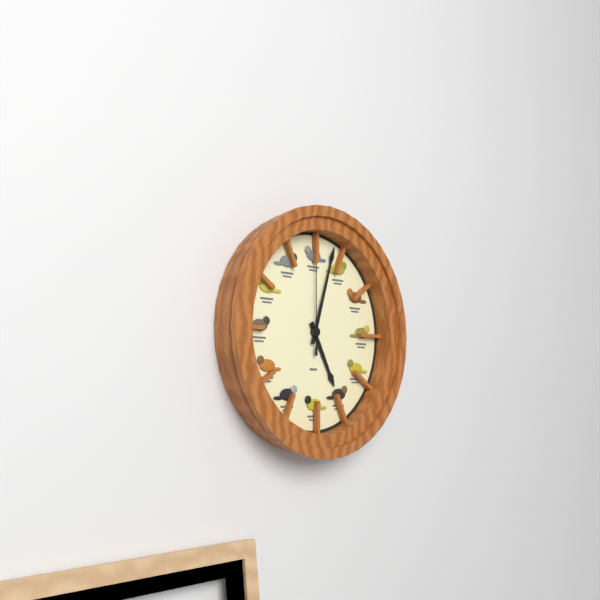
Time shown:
**5:03:00**
